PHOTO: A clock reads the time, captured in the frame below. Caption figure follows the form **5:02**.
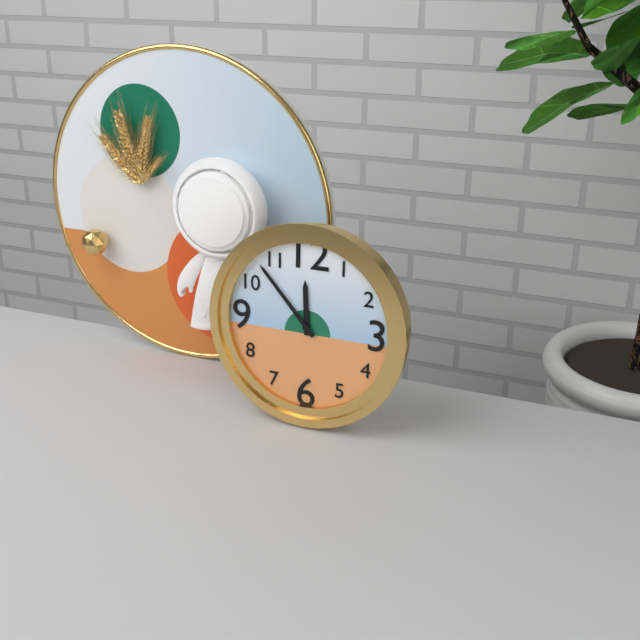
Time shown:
**11:53**
